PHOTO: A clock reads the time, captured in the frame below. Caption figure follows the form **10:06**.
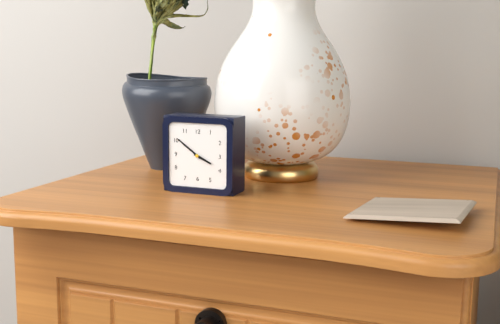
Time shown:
**3:51**
